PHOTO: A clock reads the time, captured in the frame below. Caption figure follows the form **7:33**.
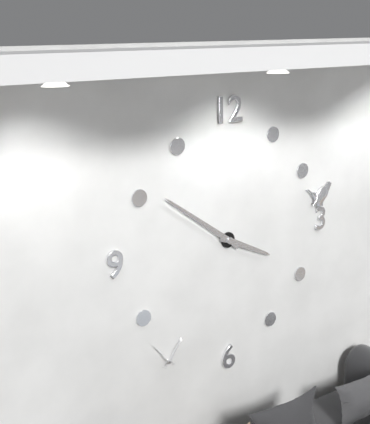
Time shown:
**3:51**
